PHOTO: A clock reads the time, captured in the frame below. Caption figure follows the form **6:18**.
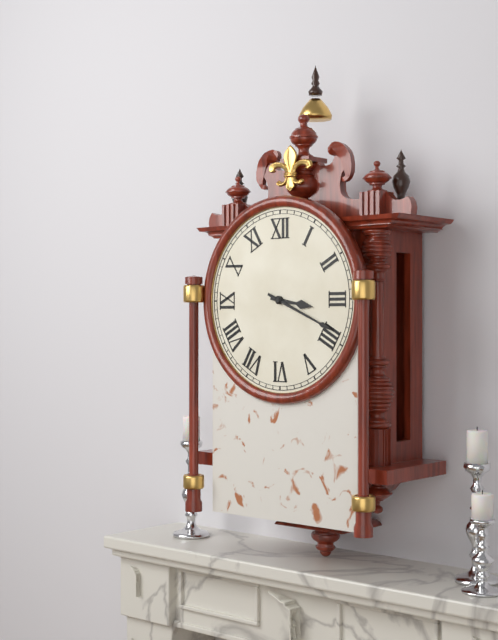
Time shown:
**3:19**
